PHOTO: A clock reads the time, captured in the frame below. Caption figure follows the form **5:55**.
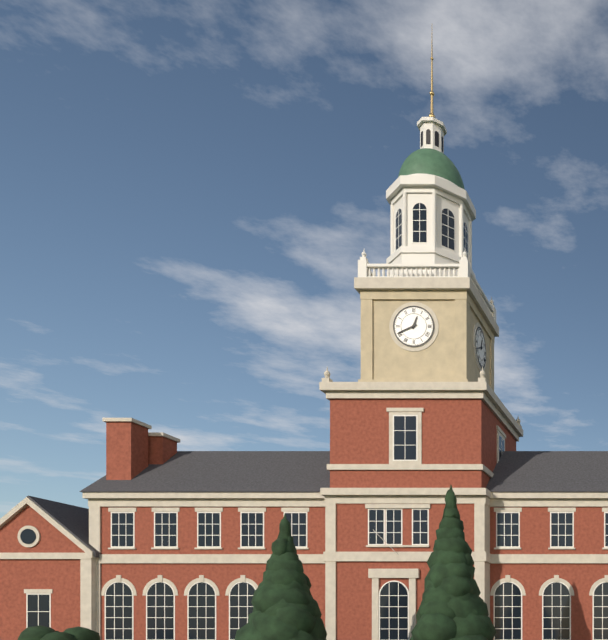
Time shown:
**12:41**
